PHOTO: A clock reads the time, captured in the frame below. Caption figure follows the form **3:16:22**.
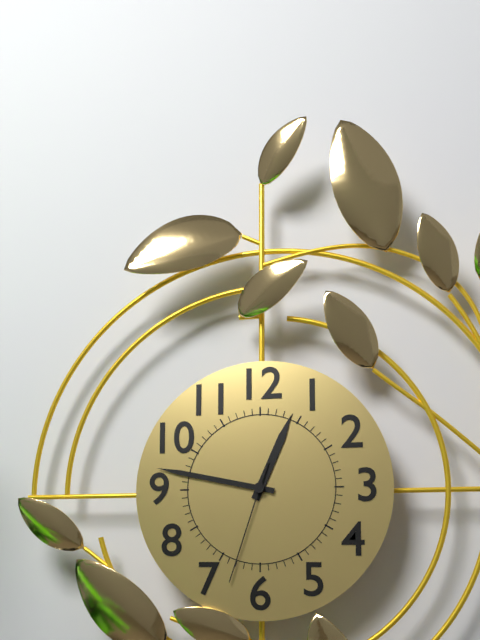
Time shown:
**12:47:33**
